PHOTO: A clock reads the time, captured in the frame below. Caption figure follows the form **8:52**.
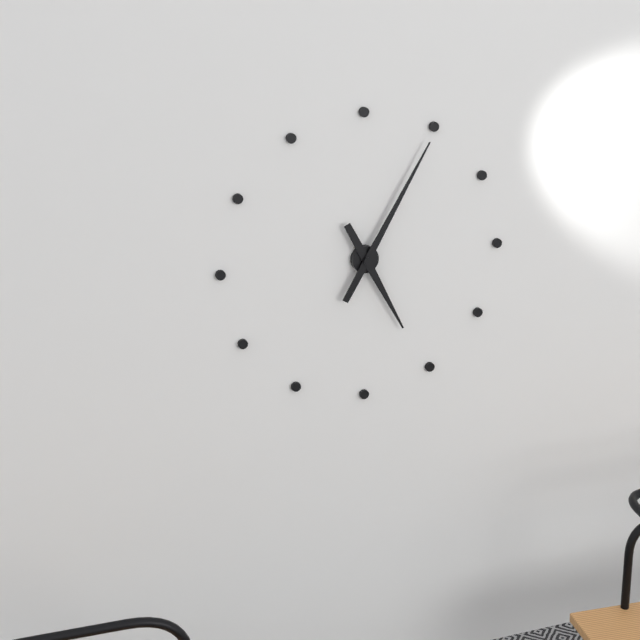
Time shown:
**5:05**
